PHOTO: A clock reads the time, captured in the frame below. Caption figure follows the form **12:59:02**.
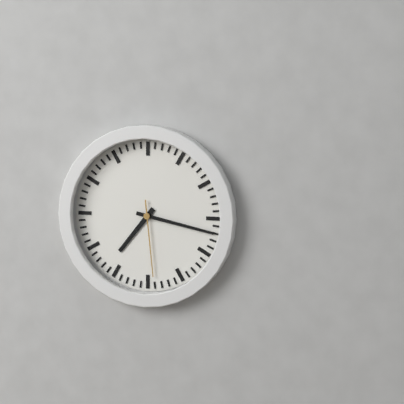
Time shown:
**7:17:29**
